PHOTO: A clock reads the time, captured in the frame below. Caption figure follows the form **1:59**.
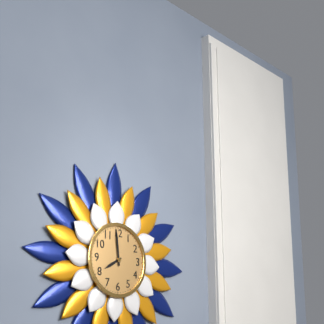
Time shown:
**7:59**
